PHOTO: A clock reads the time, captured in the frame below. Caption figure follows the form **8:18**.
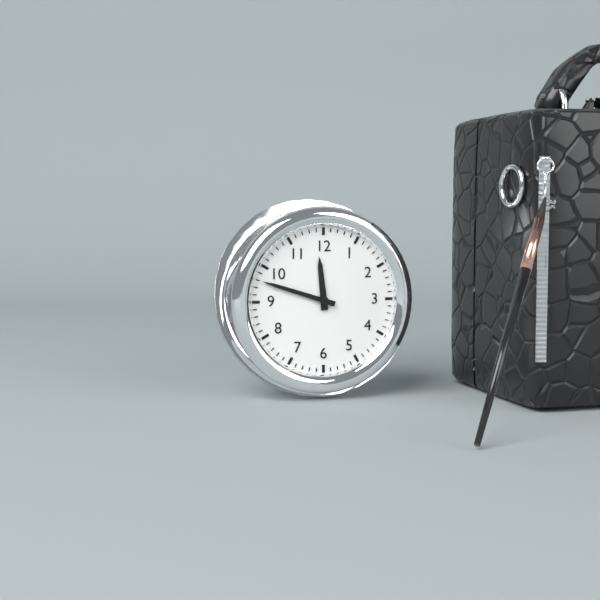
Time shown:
**11:48**
